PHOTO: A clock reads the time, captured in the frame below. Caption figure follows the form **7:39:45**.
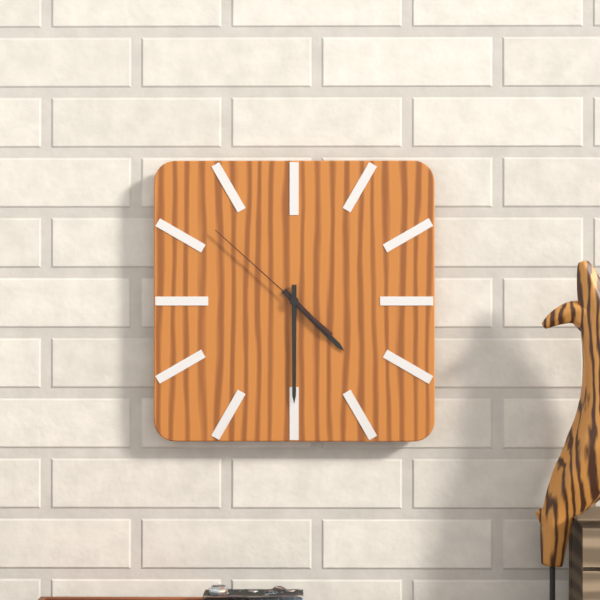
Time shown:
**4:30:52**
